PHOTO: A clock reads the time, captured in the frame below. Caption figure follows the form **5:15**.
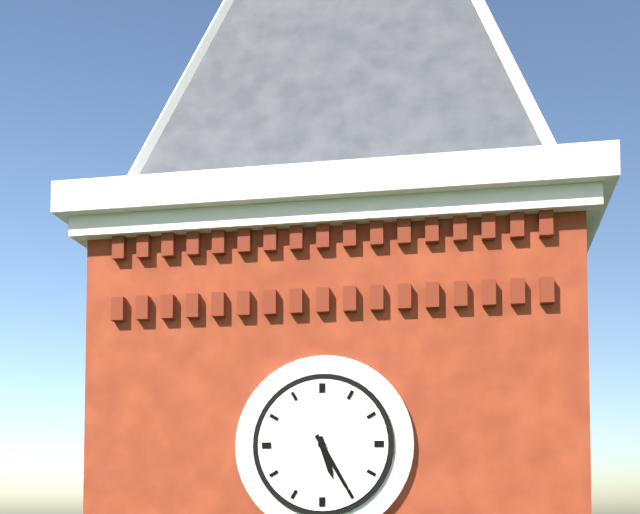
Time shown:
**5:25**
